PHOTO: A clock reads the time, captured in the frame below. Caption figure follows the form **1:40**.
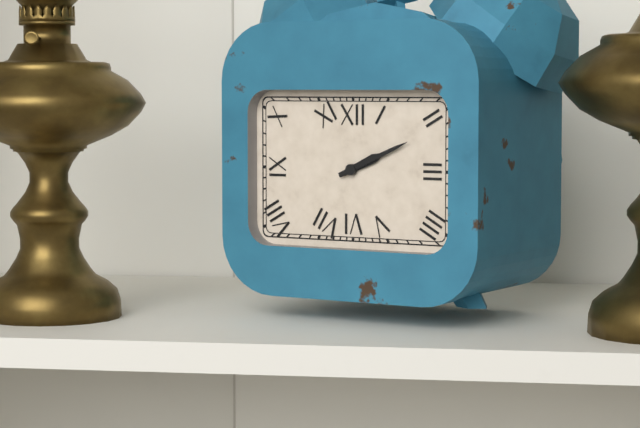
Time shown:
**2:11**
